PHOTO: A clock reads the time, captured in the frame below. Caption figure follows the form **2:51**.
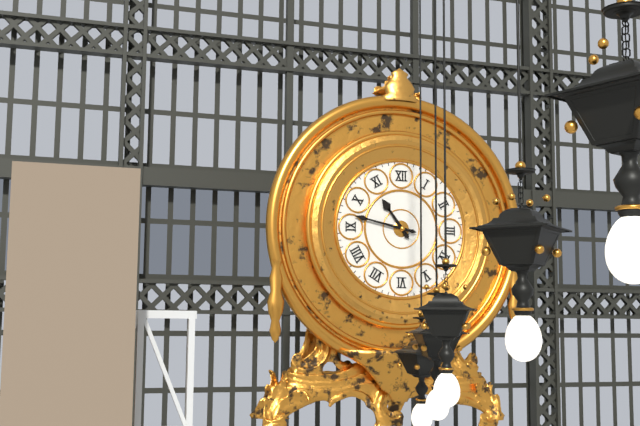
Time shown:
**10:47**
